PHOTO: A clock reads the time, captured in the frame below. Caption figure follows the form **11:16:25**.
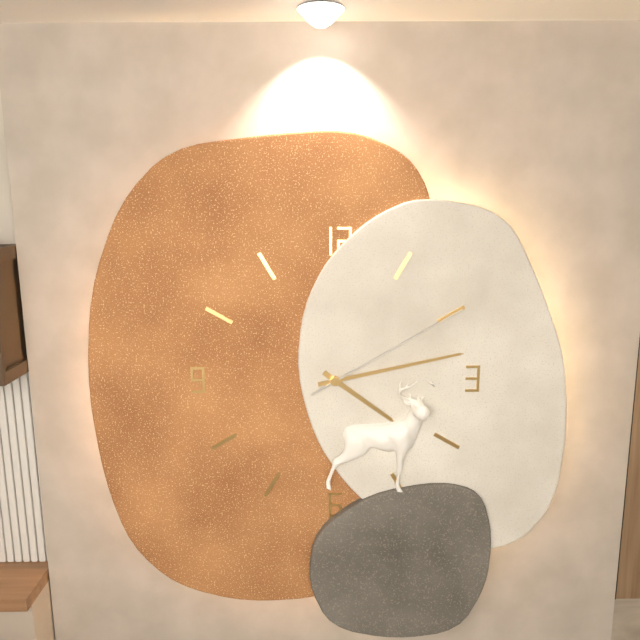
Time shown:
**4:13:10**
